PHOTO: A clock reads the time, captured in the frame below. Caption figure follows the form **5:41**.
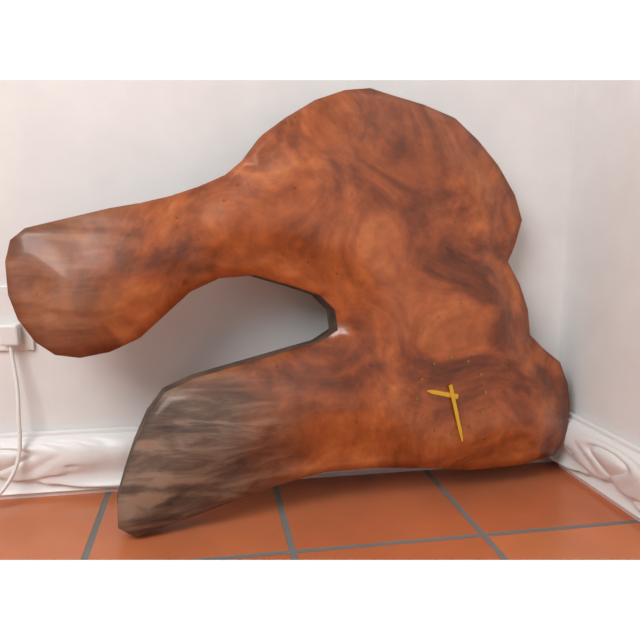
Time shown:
**9:28**
